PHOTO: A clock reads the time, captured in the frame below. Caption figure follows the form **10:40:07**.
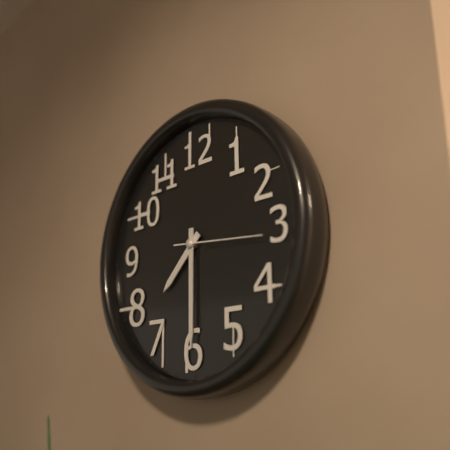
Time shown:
**7:30:16**
